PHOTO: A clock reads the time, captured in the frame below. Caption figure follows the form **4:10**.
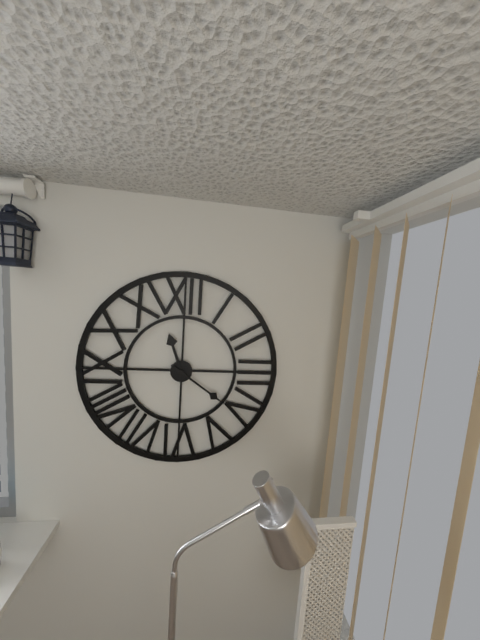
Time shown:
**11:21**
